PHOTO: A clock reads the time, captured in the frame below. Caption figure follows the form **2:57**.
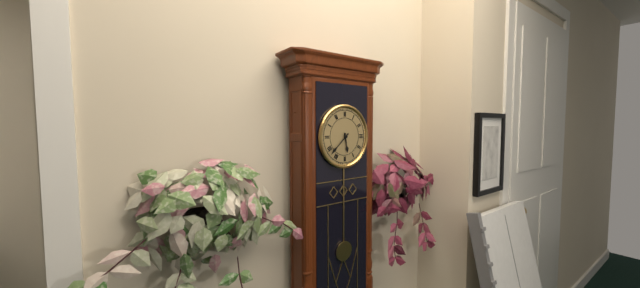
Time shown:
**5:38**
